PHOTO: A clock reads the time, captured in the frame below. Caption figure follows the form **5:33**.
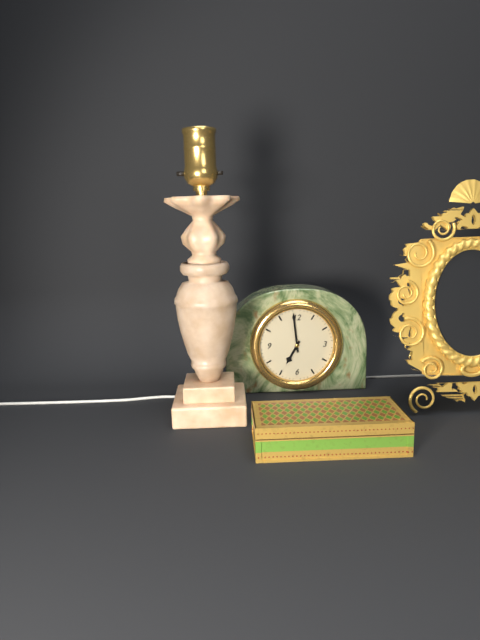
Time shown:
**6:59**
